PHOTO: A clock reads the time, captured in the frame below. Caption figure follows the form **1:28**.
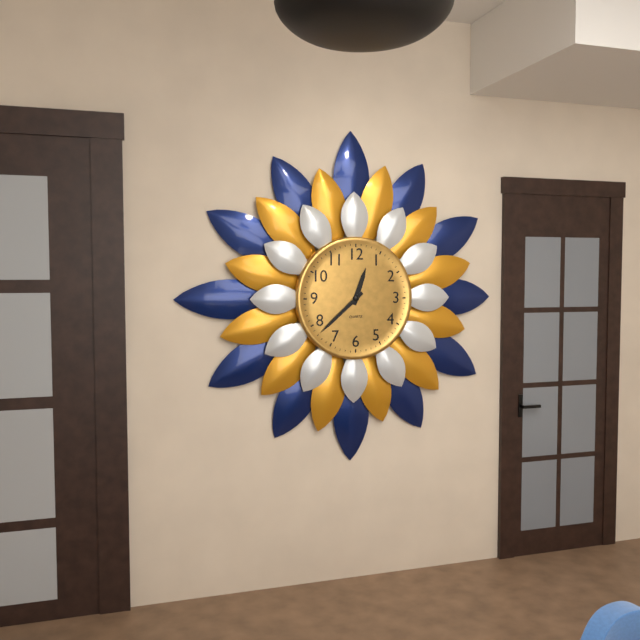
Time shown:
**12:38**
